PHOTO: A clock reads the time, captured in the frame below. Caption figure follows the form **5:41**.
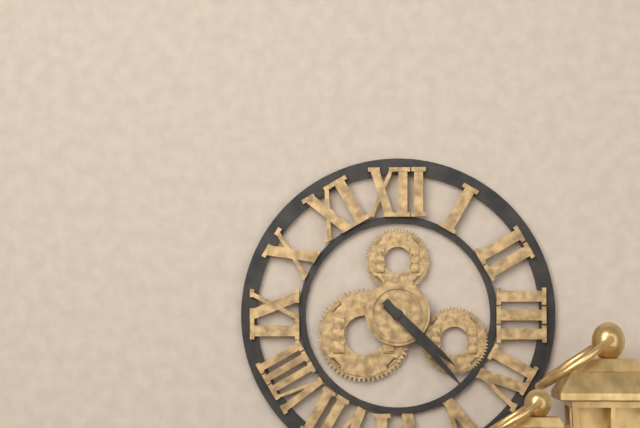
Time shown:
**4:23**
